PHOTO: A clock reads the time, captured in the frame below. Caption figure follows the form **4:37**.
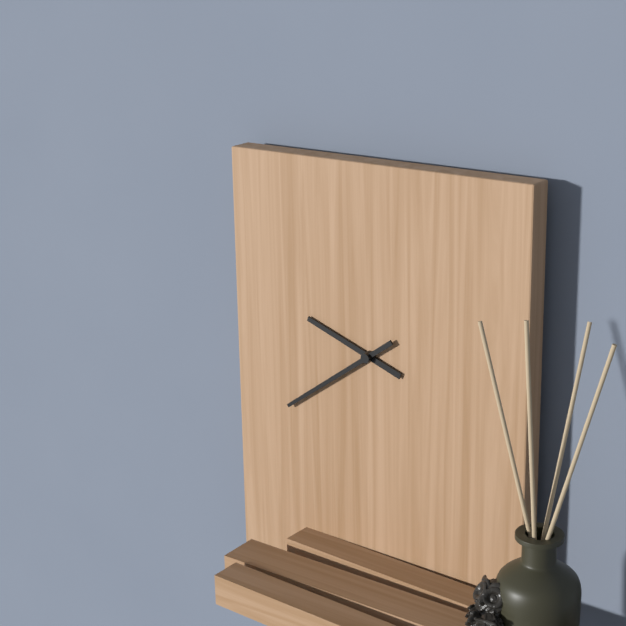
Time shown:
**9:39**
